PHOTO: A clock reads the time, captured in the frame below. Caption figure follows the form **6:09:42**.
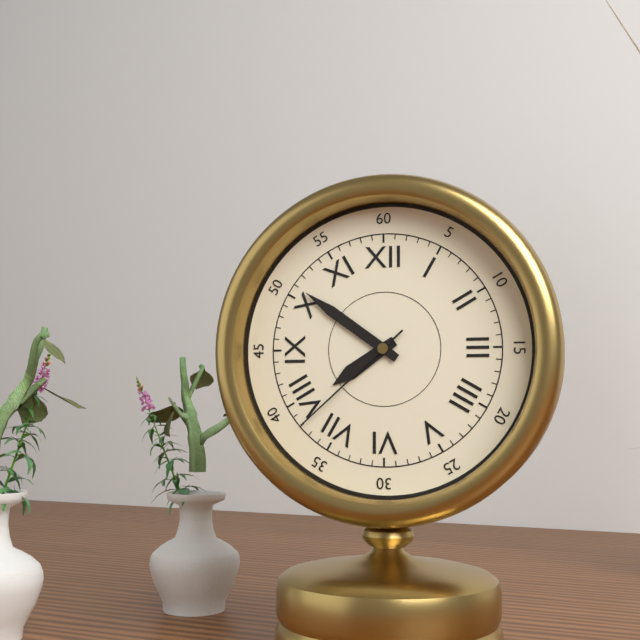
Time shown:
**7:51:38**
